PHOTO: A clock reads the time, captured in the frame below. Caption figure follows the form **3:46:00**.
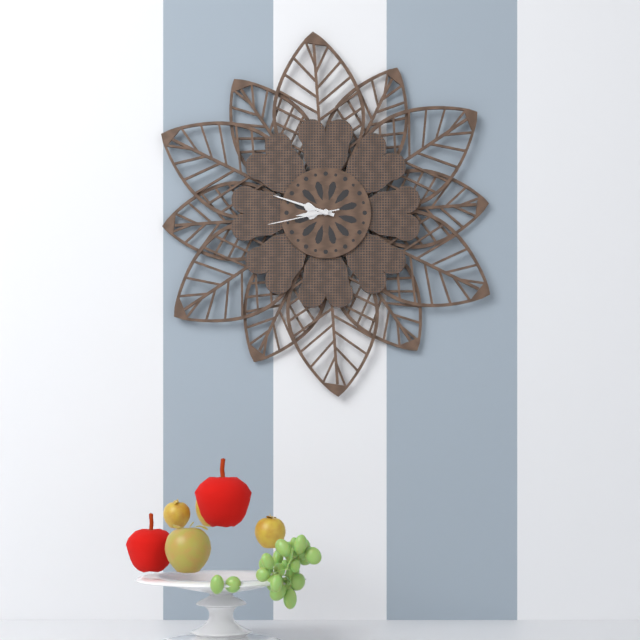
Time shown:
**8:48:43**
